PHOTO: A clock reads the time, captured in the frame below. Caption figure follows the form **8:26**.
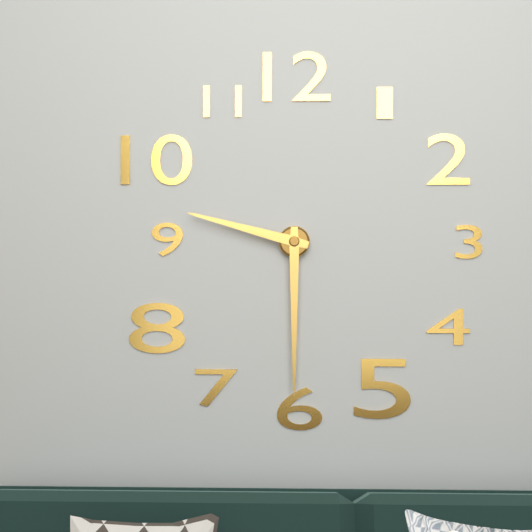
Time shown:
**9:30**
